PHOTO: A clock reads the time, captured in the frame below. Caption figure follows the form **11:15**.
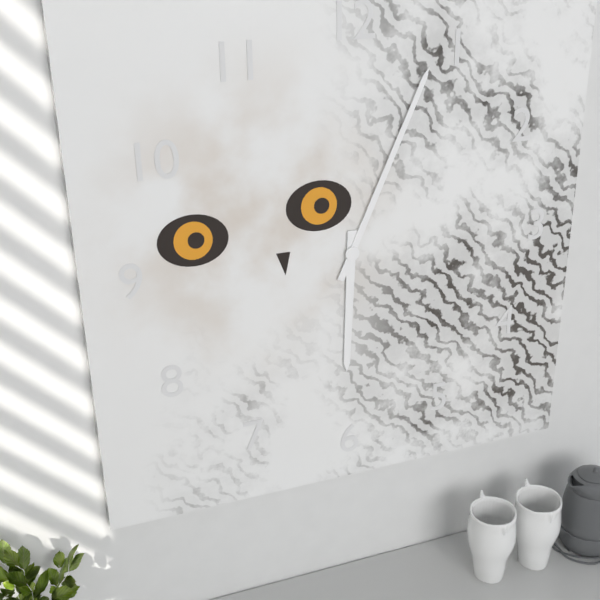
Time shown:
**6:04**
